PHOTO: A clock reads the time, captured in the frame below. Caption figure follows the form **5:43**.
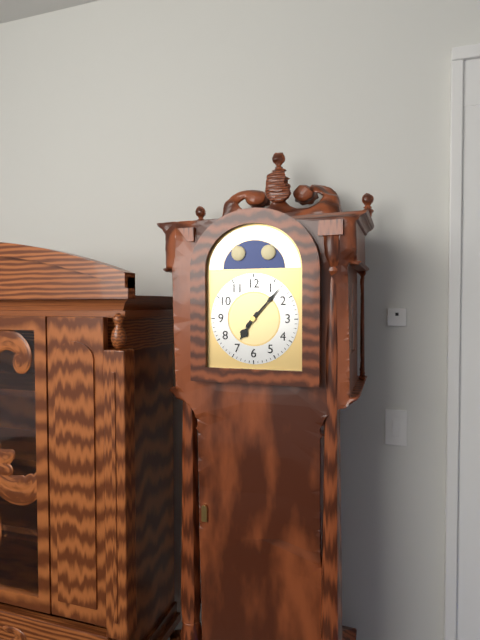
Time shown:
**7:07**
